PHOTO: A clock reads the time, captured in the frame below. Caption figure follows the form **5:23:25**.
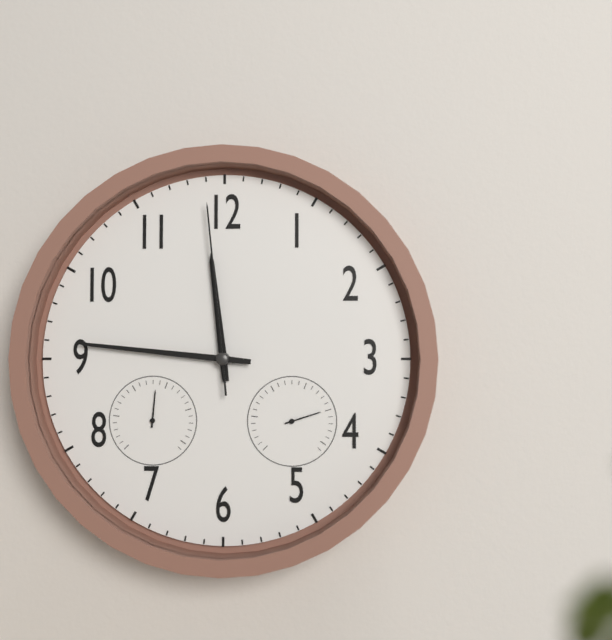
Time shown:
**11:46:59**
